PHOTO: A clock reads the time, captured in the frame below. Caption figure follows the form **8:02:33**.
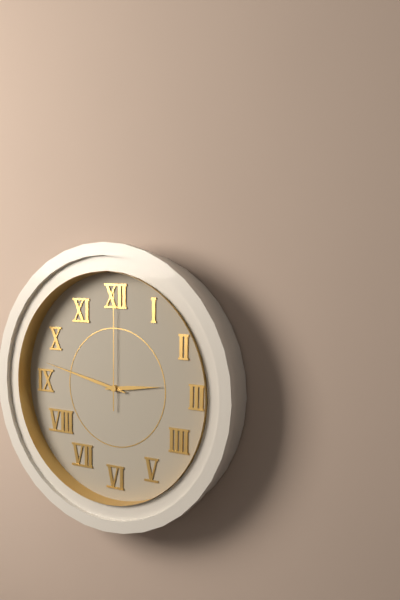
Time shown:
**2:47:00**
